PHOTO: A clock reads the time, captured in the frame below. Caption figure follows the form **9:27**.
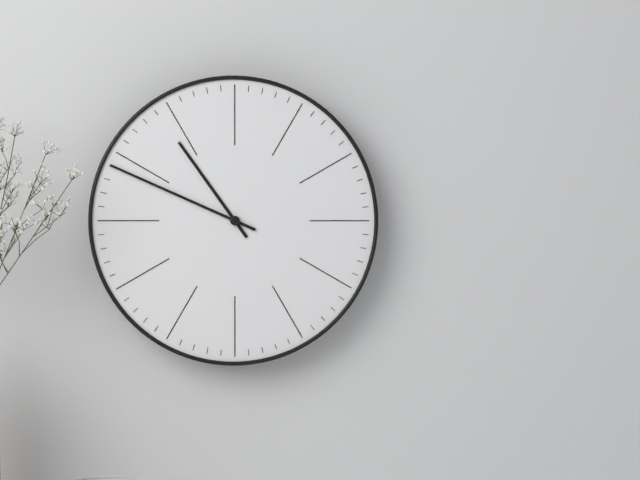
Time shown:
**10:49**
